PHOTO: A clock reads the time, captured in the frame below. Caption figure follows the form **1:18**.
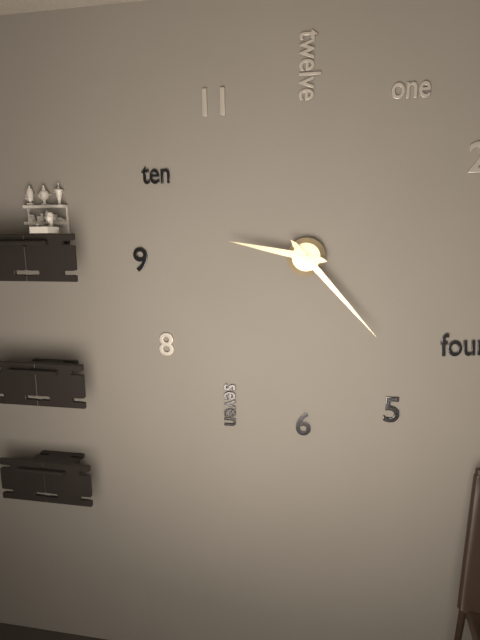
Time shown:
**9:23**
